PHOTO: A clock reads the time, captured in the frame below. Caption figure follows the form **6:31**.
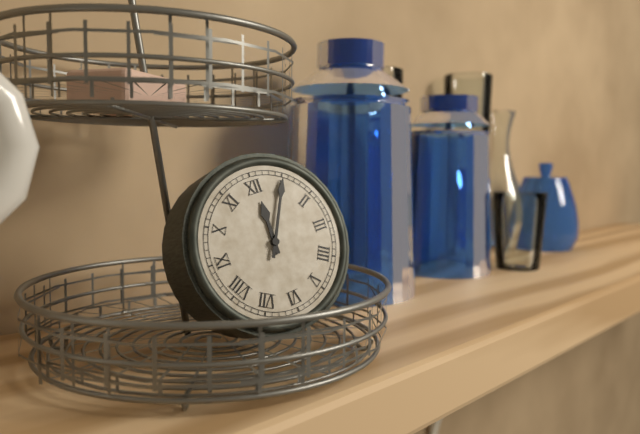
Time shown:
**12:05**
